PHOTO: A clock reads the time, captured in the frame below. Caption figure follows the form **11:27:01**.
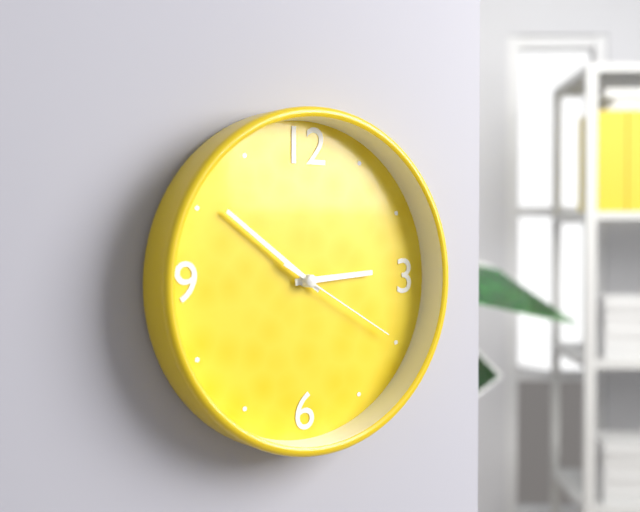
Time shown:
**2:51:20**
